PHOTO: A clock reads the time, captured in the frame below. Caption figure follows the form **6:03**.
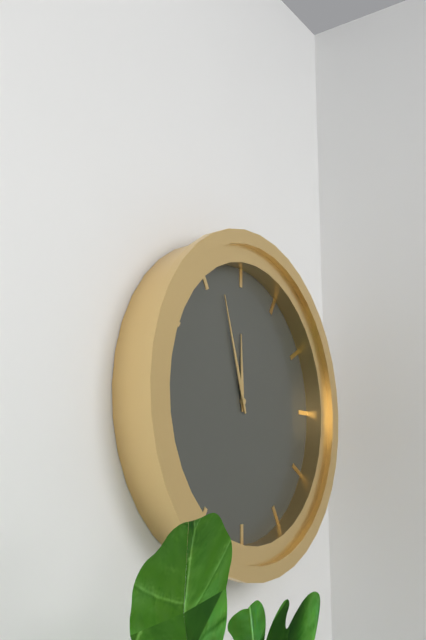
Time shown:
**11:57**
